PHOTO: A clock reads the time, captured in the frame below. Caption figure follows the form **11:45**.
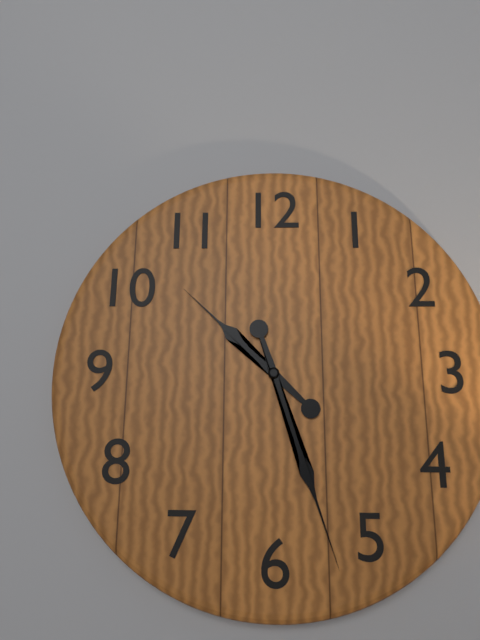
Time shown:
**10:27**
